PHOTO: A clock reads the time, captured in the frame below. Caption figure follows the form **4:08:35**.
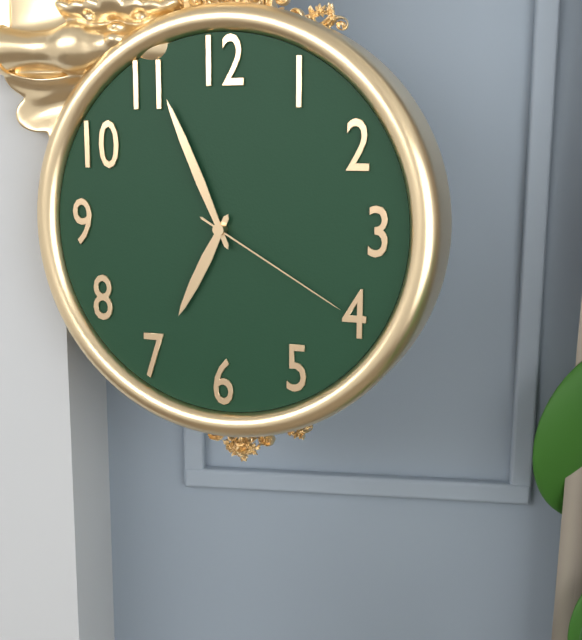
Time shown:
**6:56:20**
